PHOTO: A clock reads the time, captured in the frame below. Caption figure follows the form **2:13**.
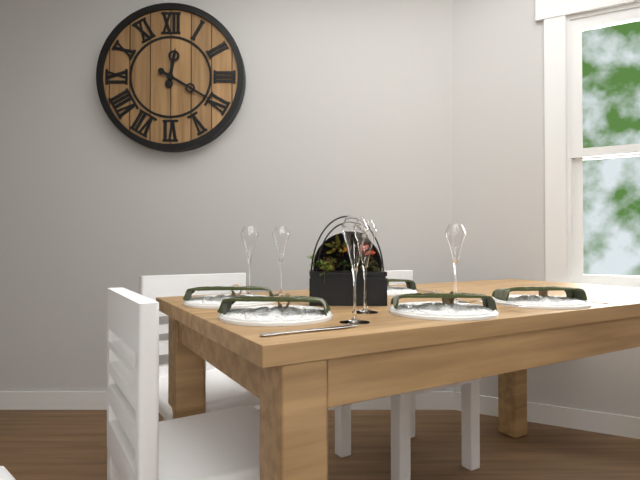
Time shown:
**12:20**
